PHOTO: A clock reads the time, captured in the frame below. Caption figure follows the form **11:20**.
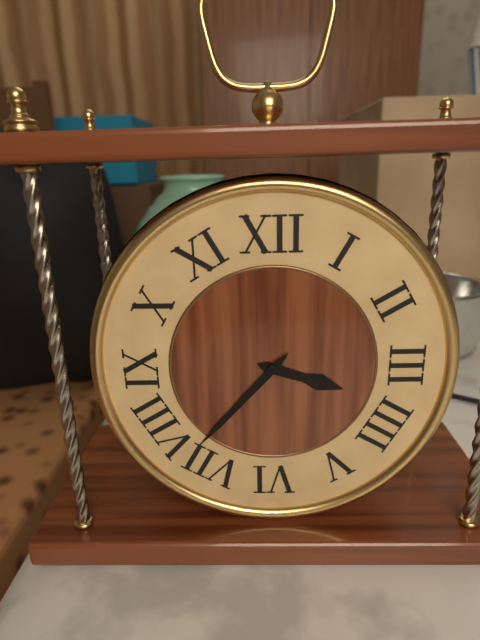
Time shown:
**3:37**
